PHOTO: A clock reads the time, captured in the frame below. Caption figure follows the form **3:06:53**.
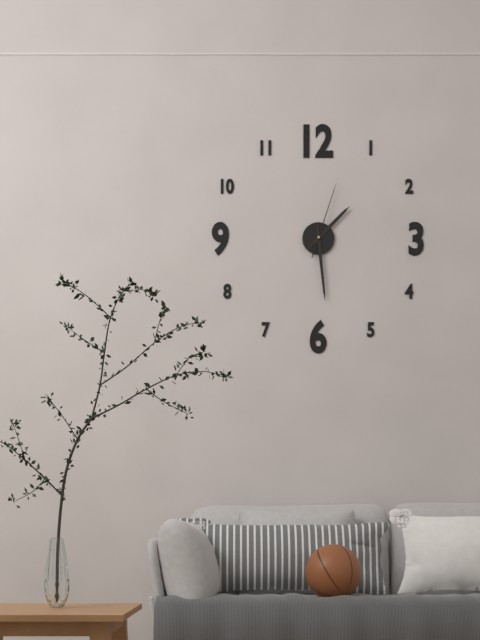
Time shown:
**1:29:03**
